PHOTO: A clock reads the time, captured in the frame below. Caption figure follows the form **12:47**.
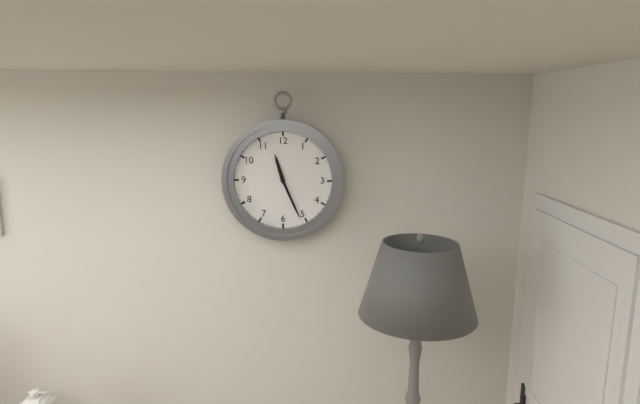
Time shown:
**11:26**
